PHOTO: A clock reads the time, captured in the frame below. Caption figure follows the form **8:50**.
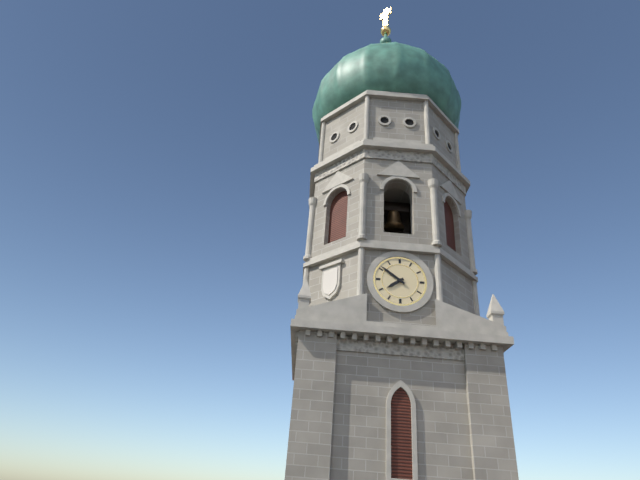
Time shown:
**7:51**
